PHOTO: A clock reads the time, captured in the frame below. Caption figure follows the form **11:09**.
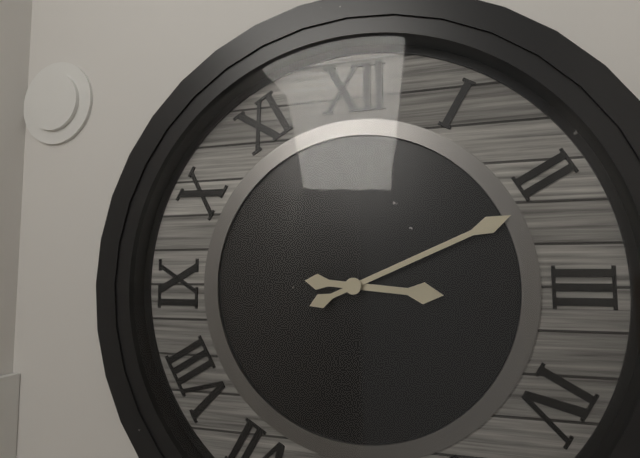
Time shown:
**3:11**
